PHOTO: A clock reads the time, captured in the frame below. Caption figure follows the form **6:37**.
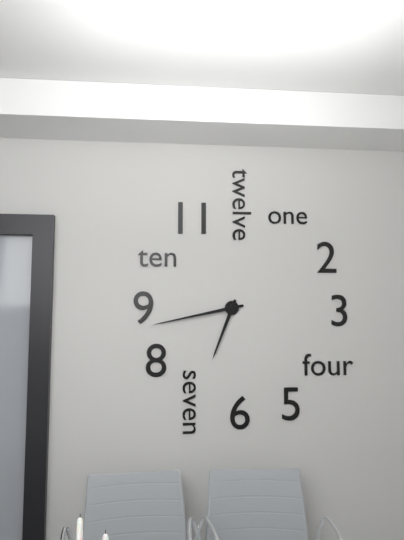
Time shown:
**6:43**
